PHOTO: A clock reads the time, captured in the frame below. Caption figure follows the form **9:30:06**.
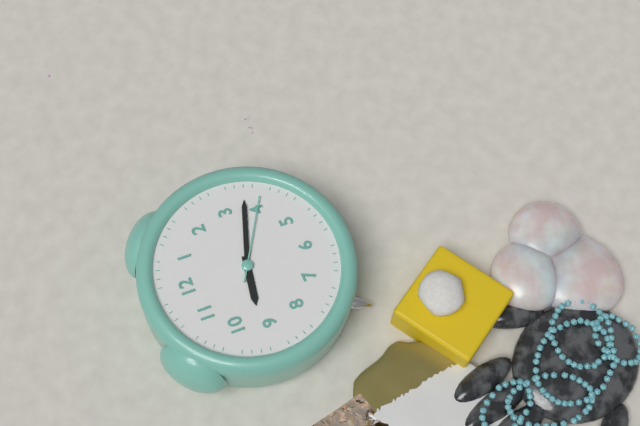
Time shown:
**9:18:20**
